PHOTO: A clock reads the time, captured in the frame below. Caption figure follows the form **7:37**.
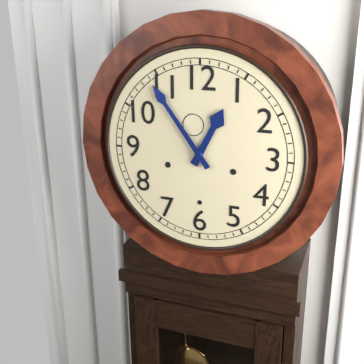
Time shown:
**12:54**
